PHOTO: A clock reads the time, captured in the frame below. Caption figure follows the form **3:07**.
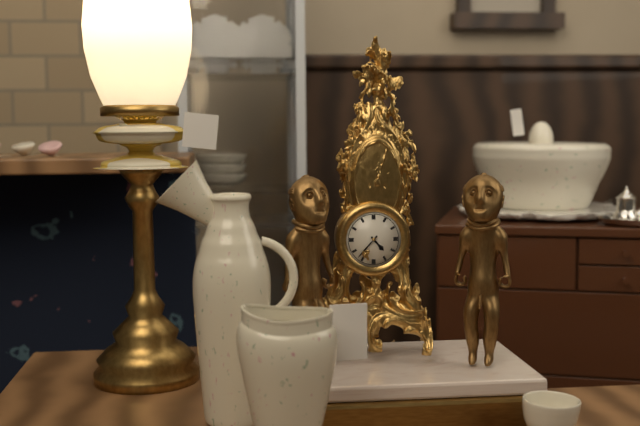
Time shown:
**4:37**
